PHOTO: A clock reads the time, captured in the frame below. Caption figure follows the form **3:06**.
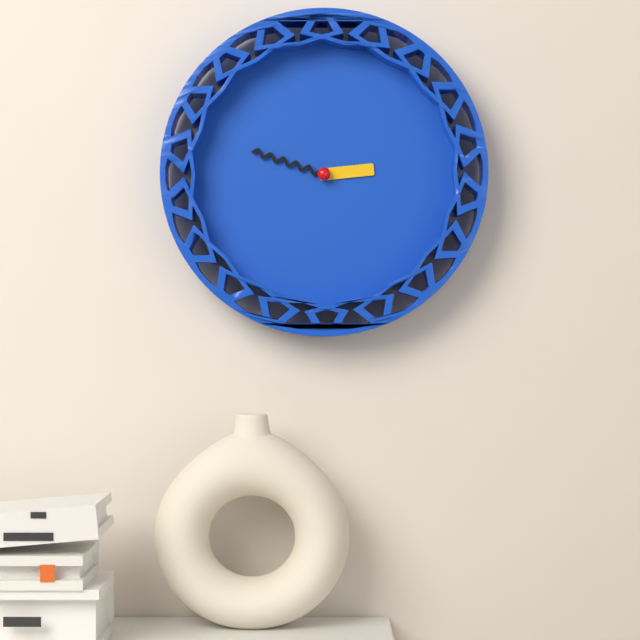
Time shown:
**2:48**
